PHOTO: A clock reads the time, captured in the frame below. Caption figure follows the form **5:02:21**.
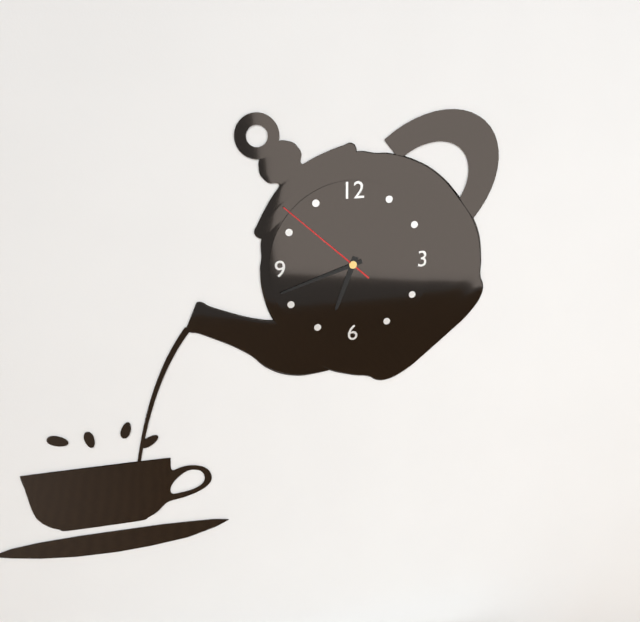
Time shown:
**6:42:52**
